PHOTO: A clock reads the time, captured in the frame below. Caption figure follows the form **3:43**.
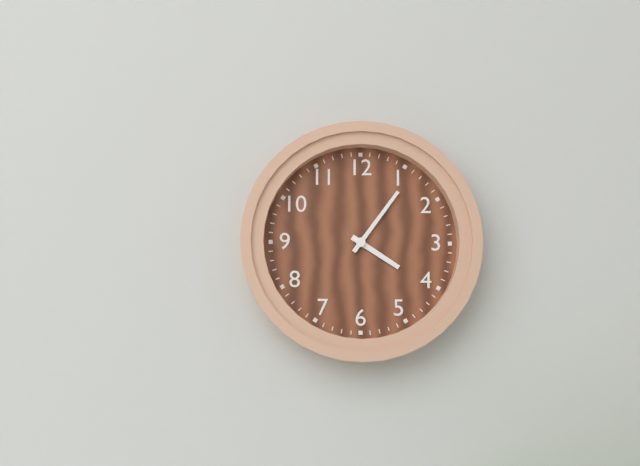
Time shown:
**4:06**
